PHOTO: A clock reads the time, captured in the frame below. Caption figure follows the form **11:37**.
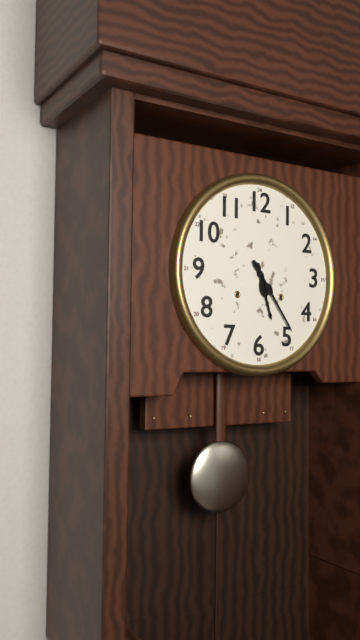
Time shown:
**5:24**
